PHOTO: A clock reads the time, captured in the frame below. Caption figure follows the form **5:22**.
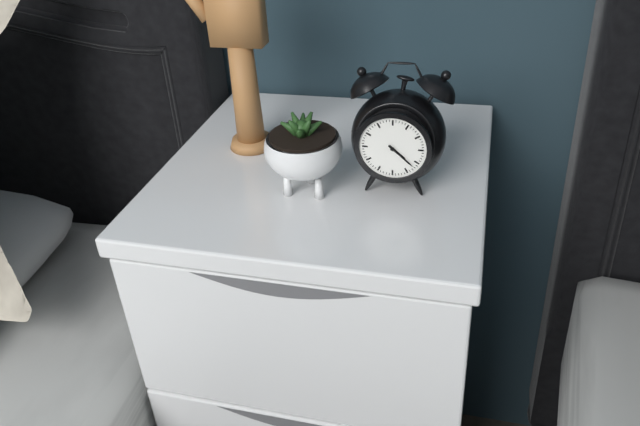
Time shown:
**4:22**
